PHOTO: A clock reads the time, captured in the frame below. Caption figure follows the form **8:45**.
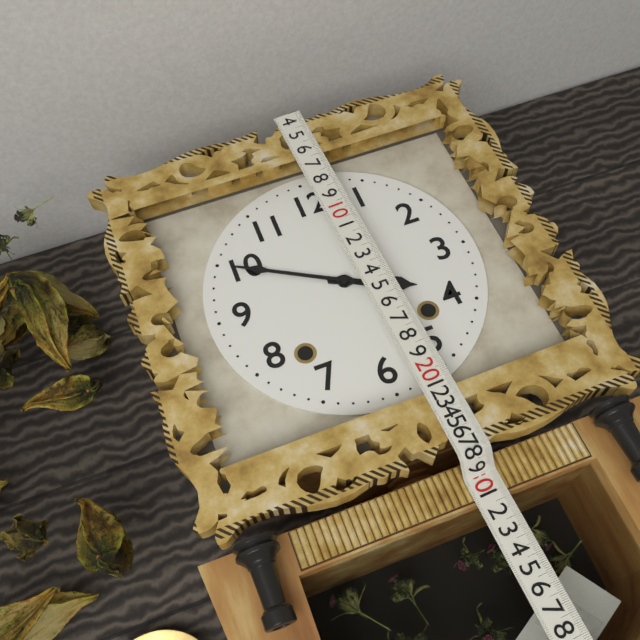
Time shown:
**3:50**
